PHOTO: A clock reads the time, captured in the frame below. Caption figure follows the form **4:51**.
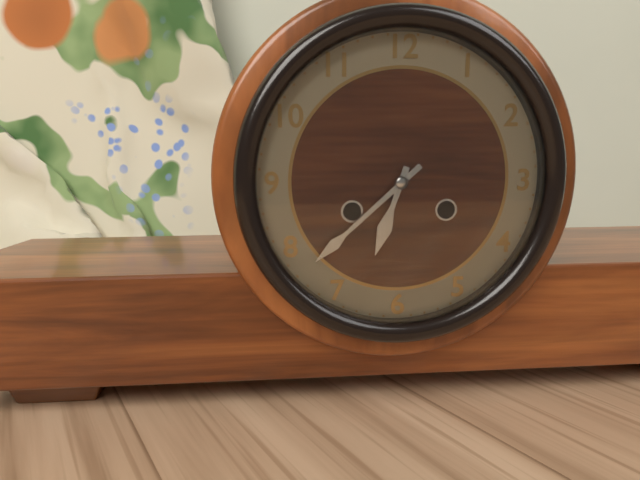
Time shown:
**6:38**
